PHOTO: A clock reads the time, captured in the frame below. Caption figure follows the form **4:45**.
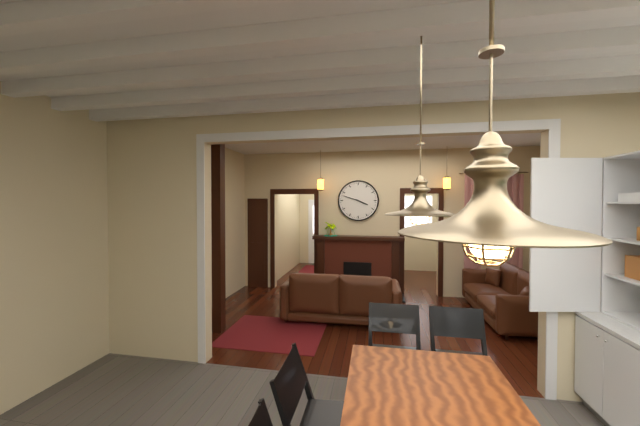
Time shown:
**3:48**
